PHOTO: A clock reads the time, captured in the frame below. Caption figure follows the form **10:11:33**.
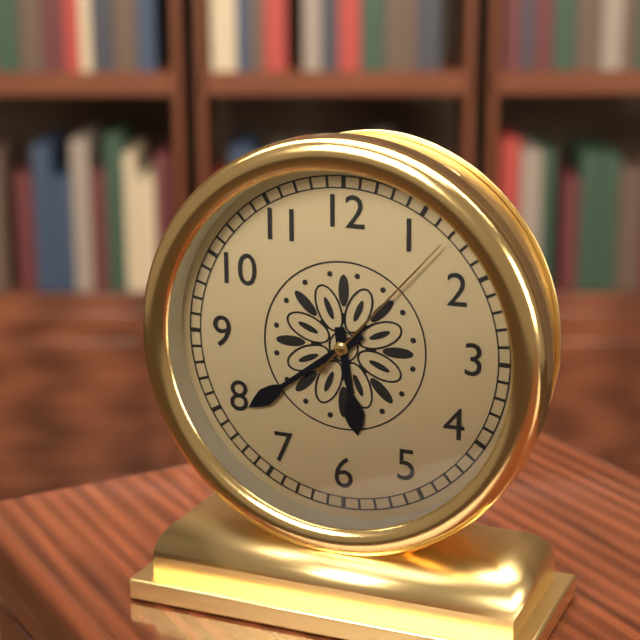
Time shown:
**5:39:07**
